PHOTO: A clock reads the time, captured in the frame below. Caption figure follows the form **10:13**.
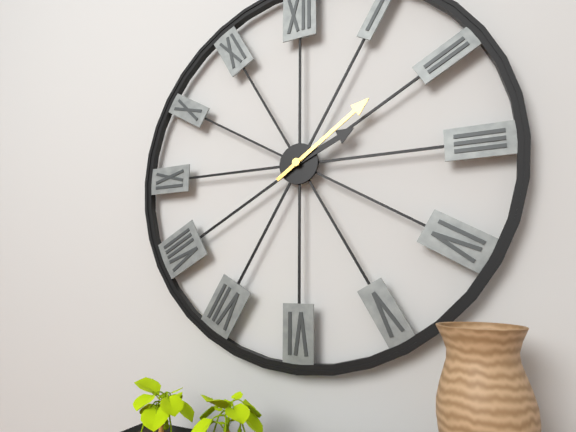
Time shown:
**2:09**
